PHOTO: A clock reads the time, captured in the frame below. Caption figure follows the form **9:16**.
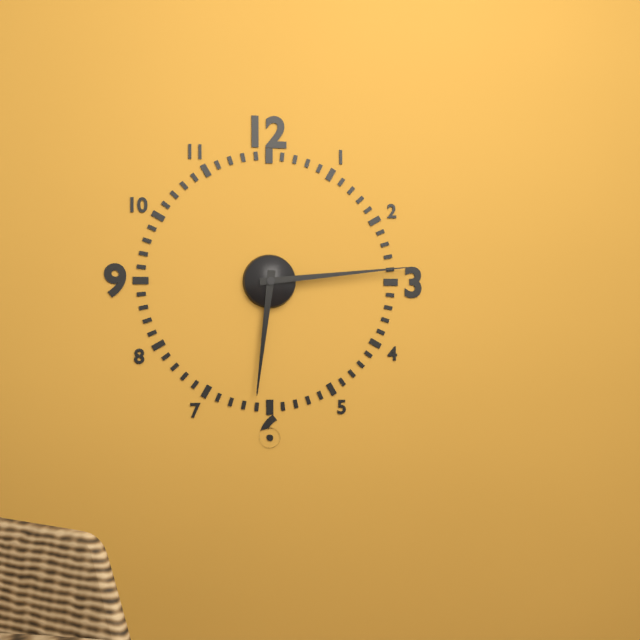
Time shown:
**6:14**
